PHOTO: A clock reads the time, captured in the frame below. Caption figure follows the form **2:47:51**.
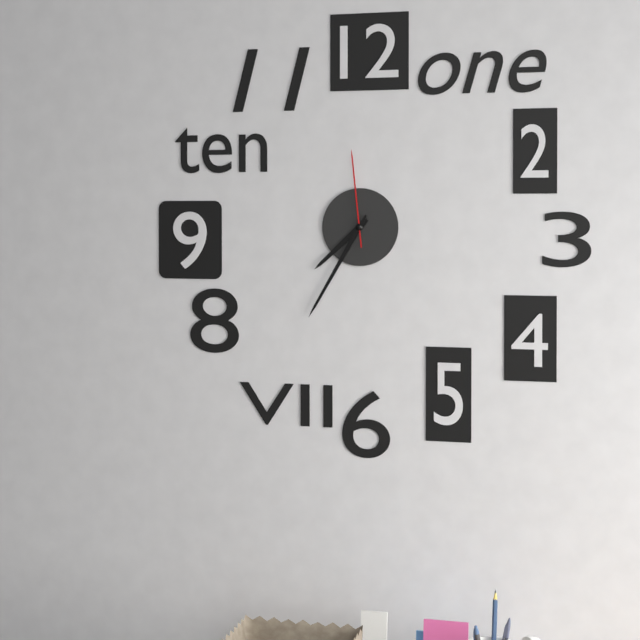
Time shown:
**7:35:59**
